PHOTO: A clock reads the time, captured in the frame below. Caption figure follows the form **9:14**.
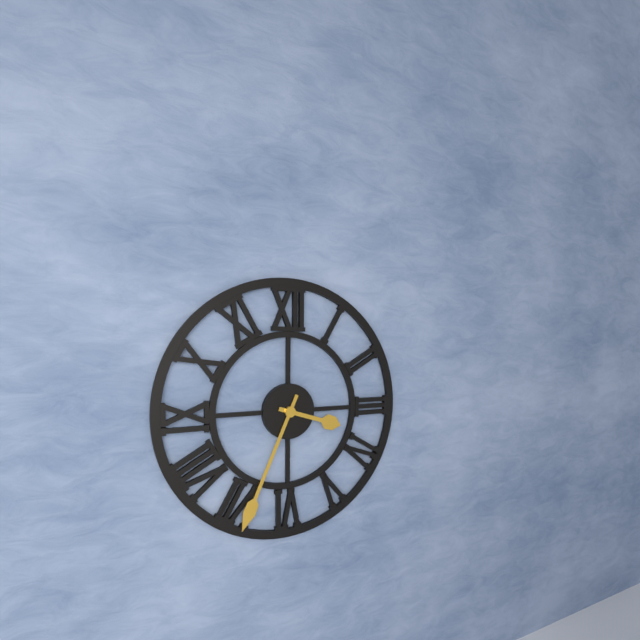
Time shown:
**3:34**
